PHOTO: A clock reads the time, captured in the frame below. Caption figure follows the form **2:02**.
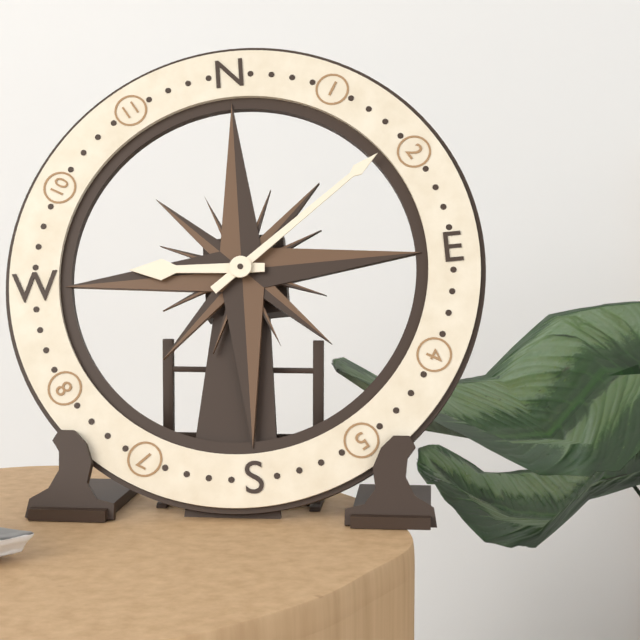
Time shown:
**9:09**
